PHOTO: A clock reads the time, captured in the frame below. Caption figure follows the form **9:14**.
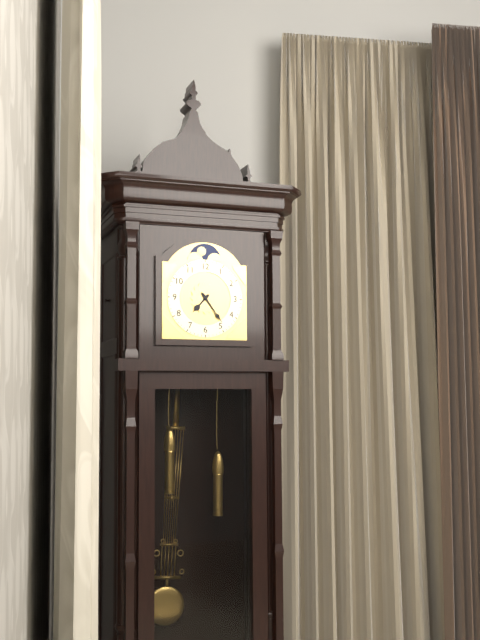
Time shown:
**7:24**
